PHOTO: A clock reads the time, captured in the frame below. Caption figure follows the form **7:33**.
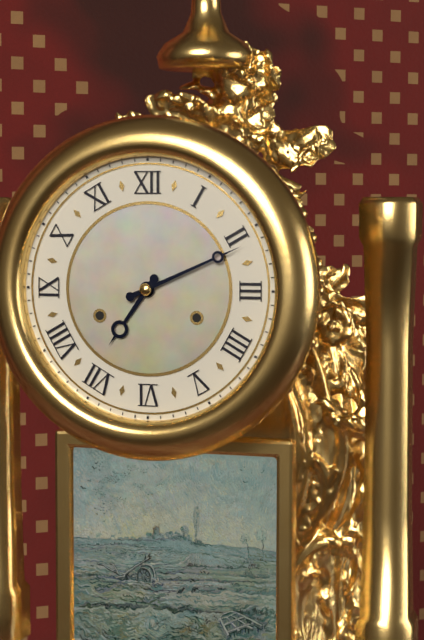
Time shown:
**7:11**
